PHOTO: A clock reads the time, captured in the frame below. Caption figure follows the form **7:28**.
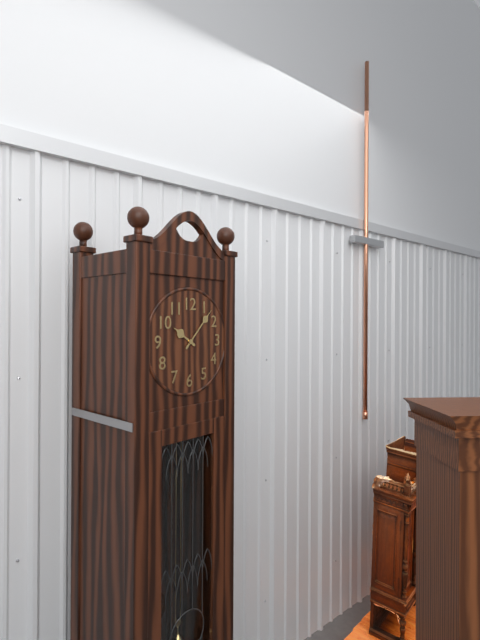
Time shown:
**10:07**
